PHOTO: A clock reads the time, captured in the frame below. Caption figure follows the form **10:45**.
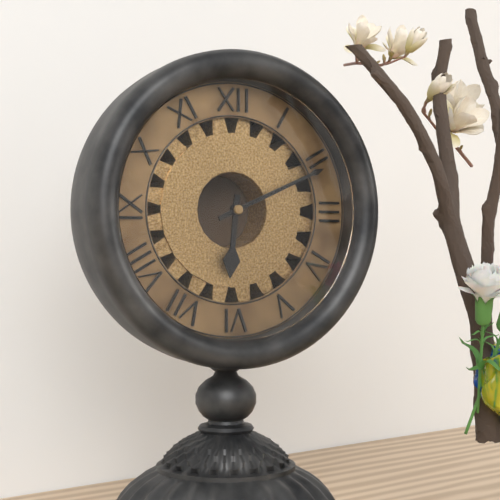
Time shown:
**6:11**
